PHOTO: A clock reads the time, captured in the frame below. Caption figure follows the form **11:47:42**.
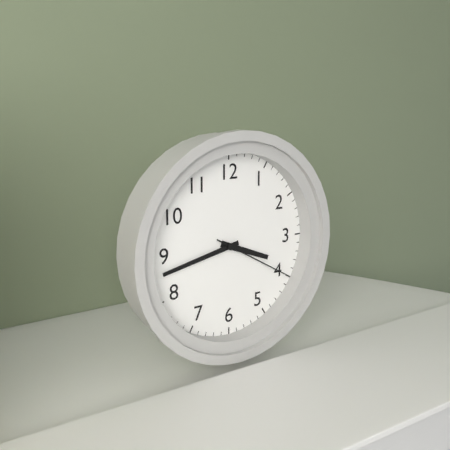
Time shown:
**3:43:20**
